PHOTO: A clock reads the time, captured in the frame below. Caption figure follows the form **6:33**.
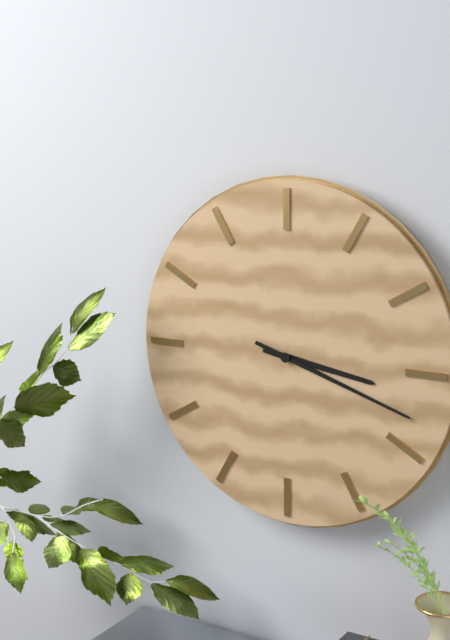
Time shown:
**3:18**
